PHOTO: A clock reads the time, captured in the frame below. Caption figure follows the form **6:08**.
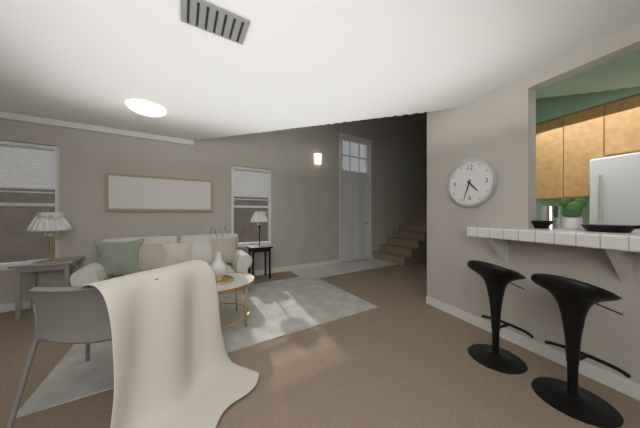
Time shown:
**4:33**
